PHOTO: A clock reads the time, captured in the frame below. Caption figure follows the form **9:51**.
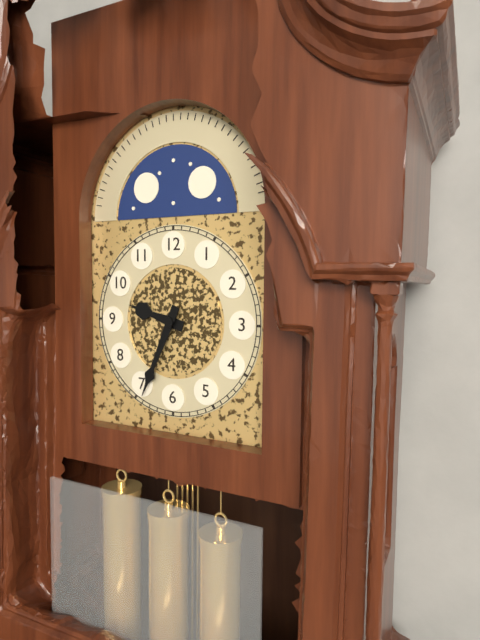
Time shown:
**9:34**
